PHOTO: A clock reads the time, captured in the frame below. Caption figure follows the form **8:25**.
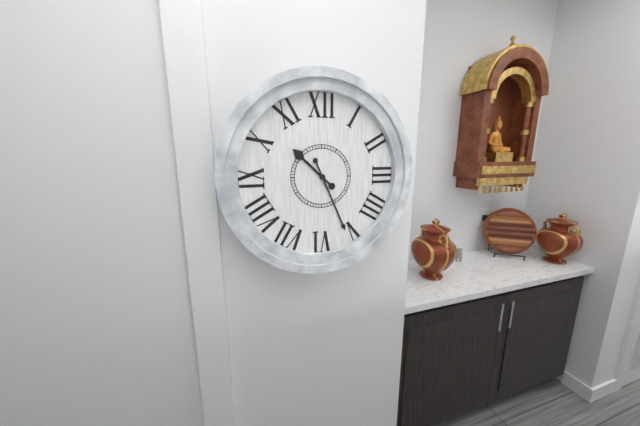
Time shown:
**10:26**
